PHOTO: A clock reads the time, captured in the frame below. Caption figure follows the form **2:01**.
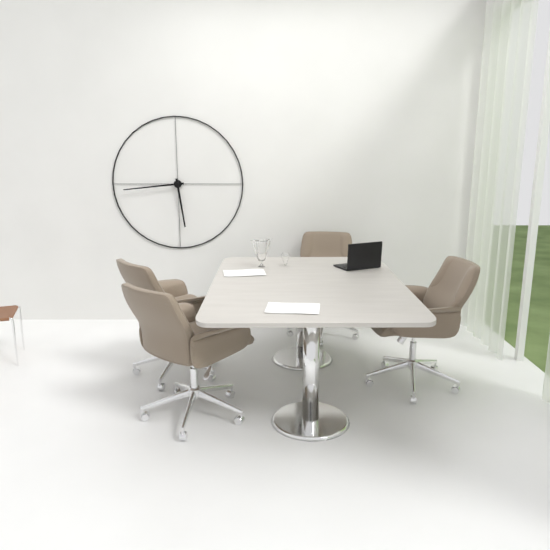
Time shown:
**5:44**
